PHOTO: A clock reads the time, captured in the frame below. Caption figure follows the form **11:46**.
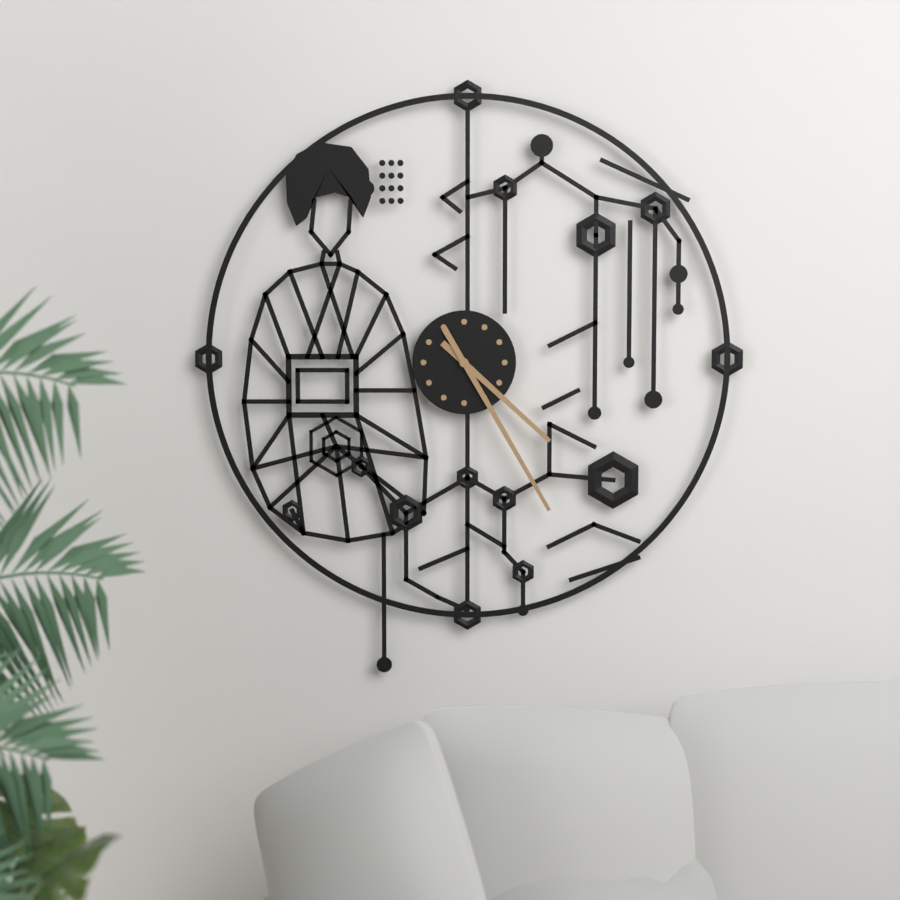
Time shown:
**4:25**
